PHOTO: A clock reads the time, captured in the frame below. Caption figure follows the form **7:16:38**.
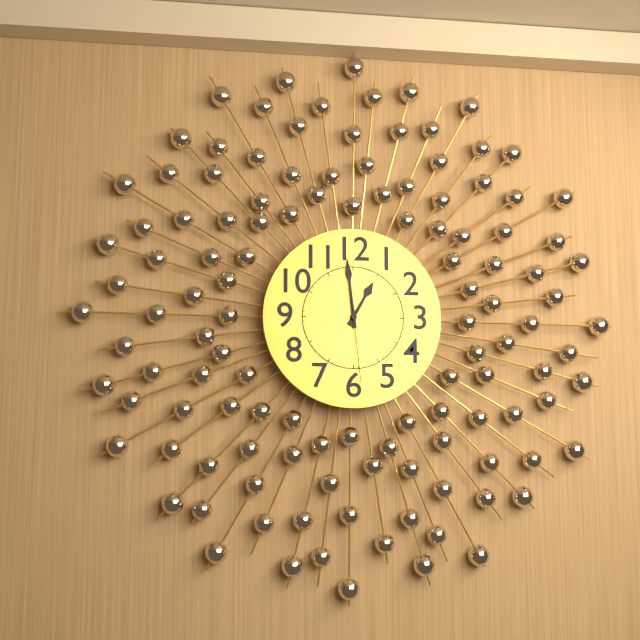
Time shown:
**12:59:29**
